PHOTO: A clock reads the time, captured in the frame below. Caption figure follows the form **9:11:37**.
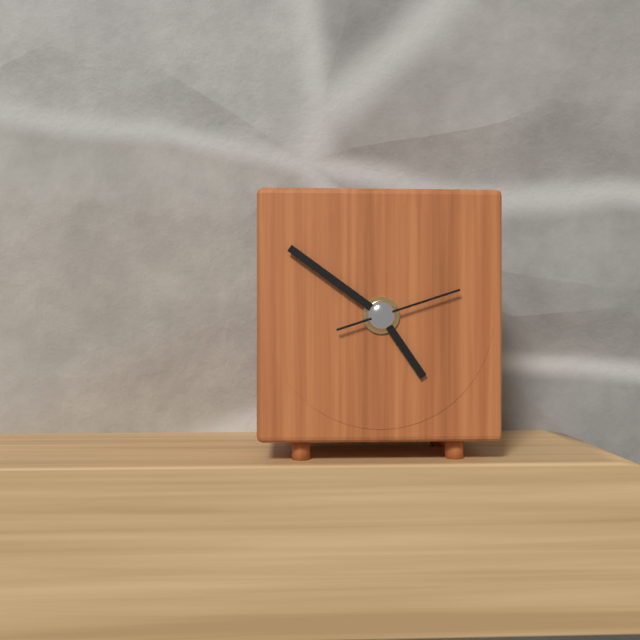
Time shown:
**4:51:12**
